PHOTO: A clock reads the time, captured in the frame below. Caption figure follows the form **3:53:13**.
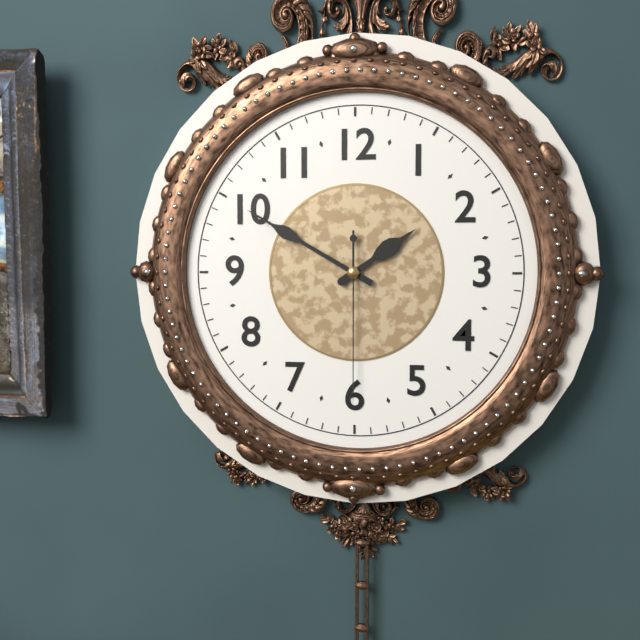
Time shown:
**1:50:30**
